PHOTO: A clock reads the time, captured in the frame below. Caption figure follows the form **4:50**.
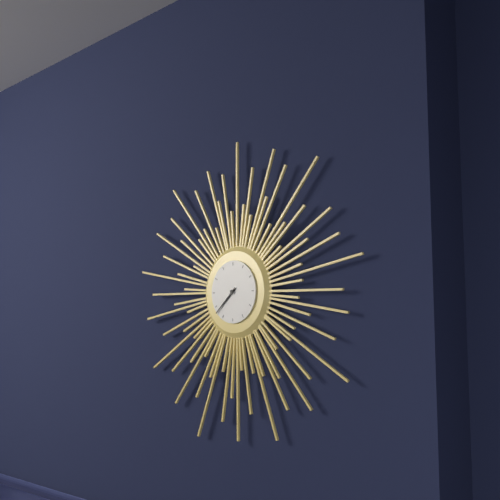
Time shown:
**7:38**
